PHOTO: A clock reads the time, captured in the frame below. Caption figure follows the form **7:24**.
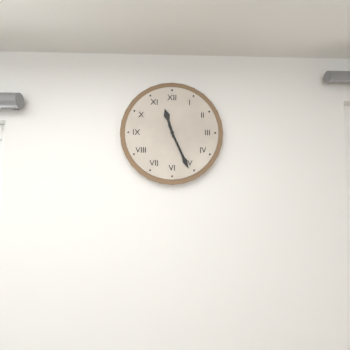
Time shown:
**11:26**
